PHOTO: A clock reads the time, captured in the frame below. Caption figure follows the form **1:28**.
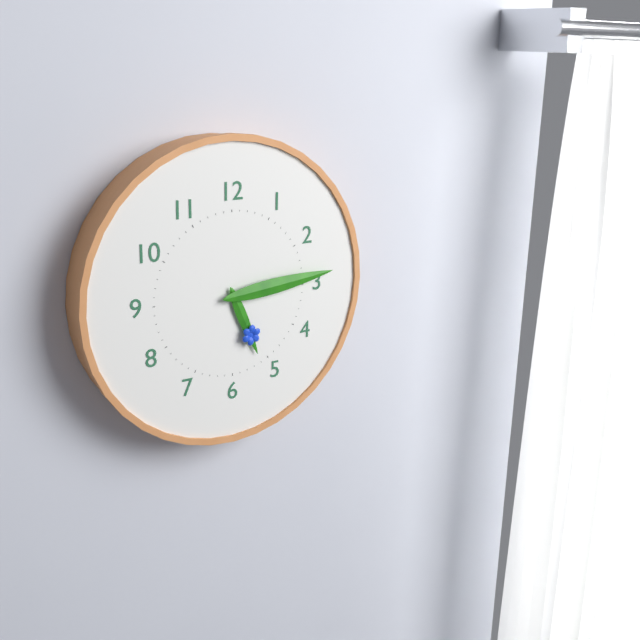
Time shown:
**5:14**
